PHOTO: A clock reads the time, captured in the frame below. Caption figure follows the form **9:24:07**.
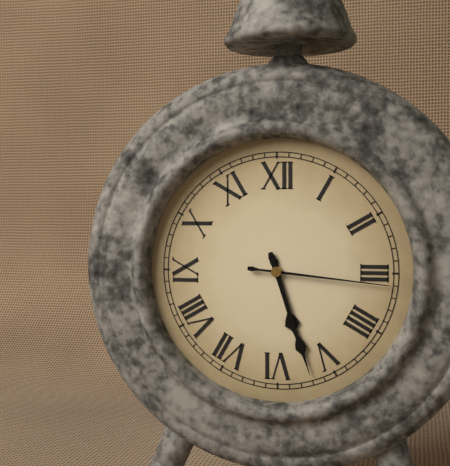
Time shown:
**5:27:16**
